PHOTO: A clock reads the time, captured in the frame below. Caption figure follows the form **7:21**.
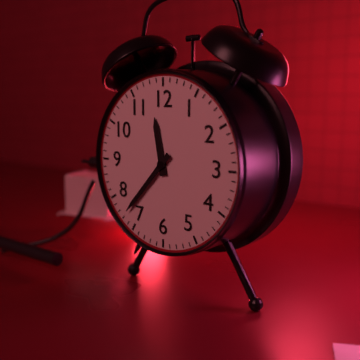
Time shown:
**11:37**
